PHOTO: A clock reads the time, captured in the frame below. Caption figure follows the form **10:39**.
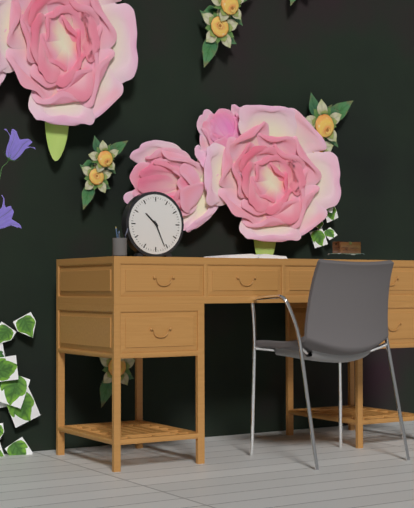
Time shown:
**10:26**
